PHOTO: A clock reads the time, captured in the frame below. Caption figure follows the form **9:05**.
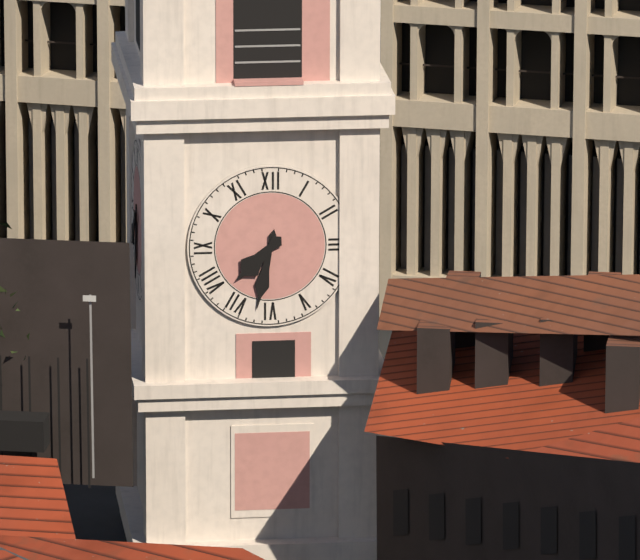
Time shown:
**7:32**
